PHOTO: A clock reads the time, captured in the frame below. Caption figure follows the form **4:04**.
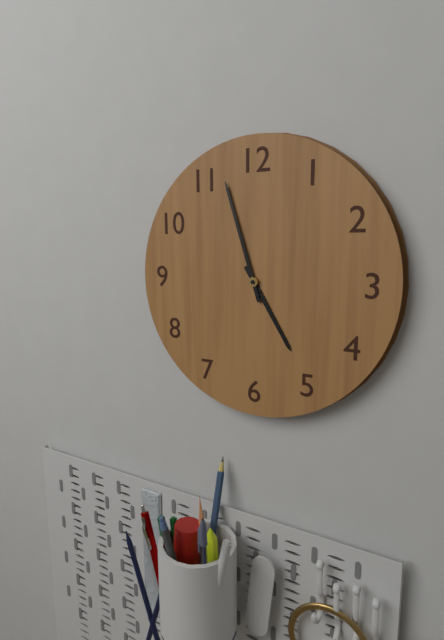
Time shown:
**4:57**
